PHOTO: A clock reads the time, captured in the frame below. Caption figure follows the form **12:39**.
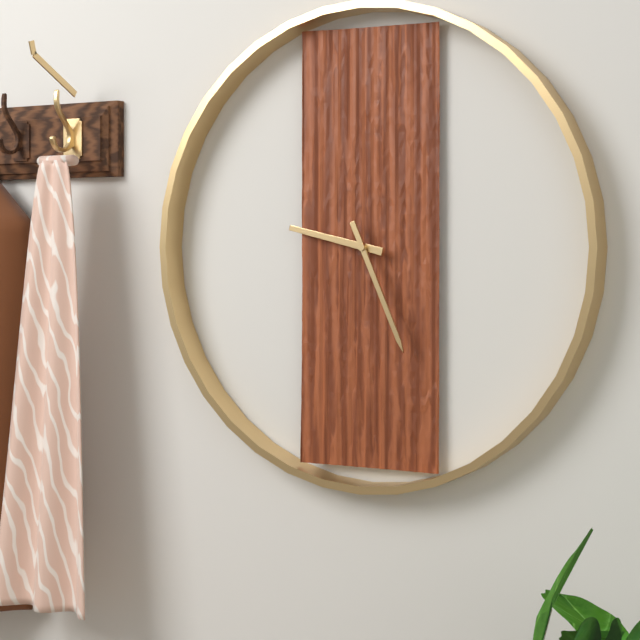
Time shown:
**9:26**
